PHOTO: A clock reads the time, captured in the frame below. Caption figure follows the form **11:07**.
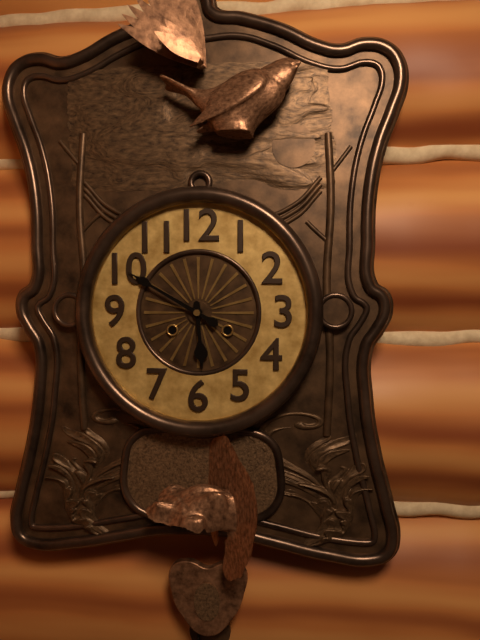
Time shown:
**5:50**
